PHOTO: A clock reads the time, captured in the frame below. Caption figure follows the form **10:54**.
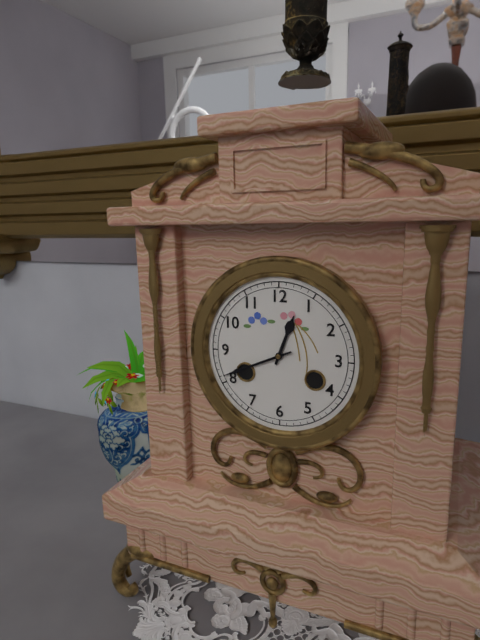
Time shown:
**12:41**
